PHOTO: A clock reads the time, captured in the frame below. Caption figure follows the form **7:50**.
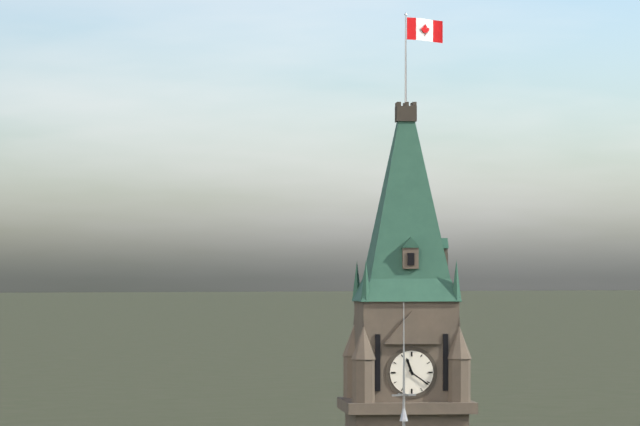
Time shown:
**11:21**
